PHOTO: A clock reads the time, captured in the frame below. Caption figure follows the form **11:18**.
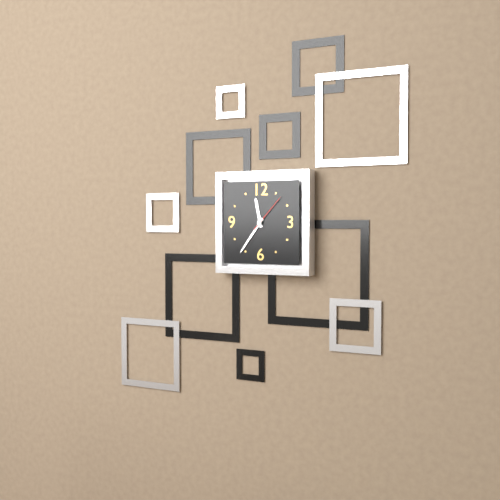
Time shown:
**11:36**
